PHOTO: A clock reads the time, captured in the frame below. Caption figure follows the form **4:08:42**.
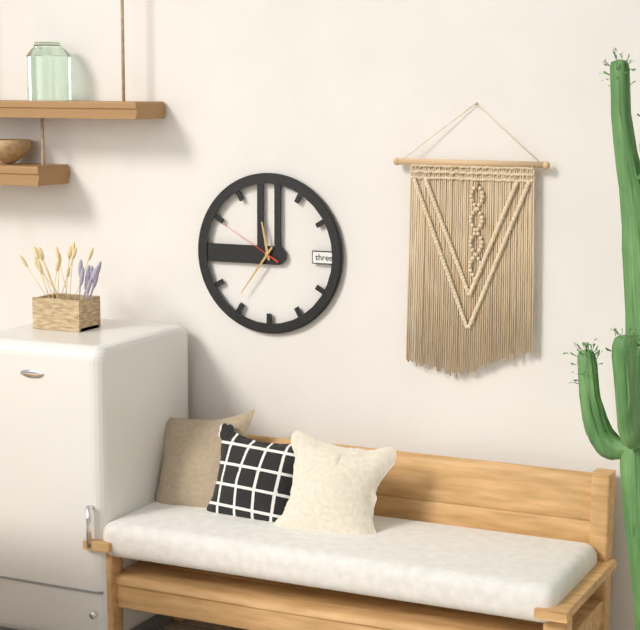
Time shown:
**11:36:50**
